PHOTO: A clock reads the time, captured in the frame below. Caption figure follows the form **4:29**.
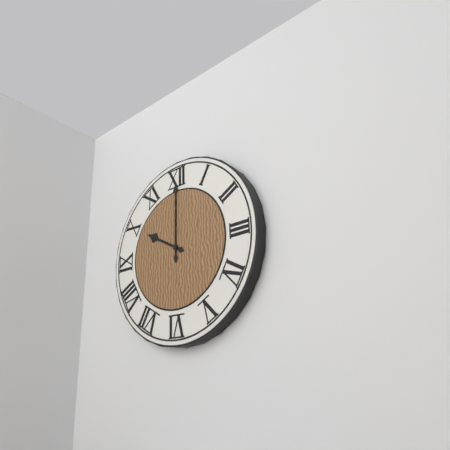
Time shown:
**10:00**
